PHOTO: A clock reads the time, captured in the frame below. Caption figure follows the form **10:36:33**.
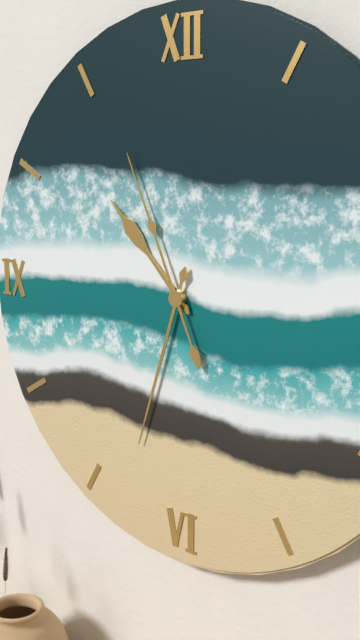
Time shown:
**10:33:56**
